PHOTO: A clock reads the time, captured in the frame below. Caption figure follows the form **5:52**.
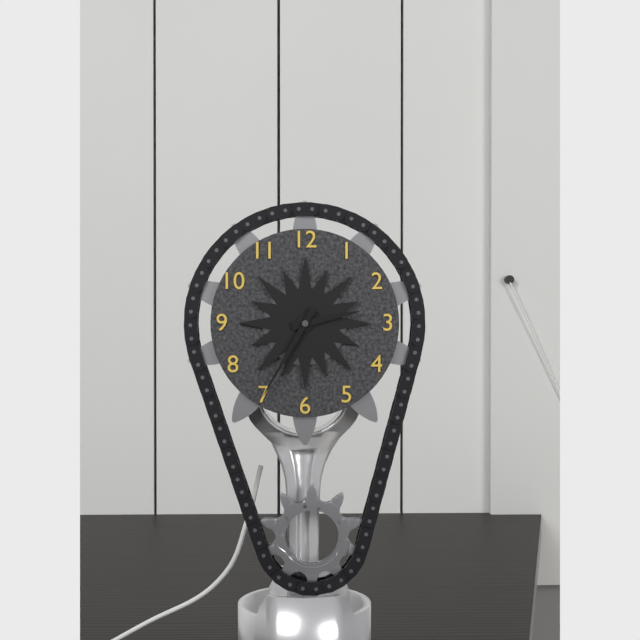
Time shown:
**2:35**
